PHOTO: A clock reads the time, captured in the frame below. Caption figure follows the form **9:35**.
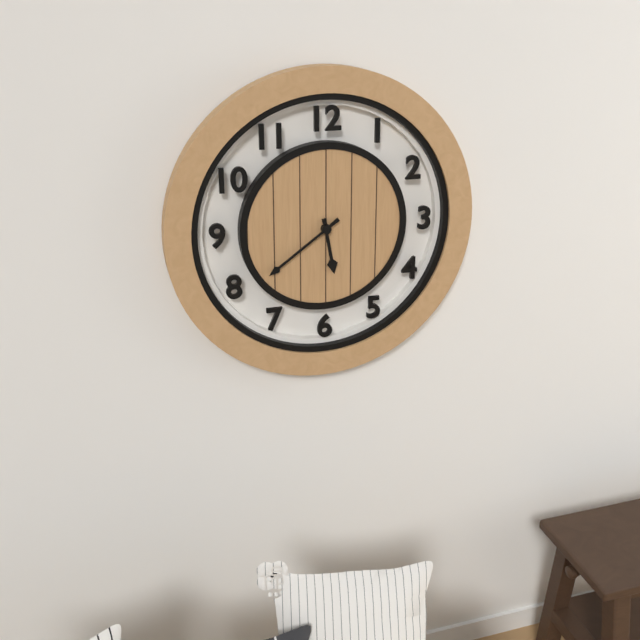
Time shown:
**5:39**
